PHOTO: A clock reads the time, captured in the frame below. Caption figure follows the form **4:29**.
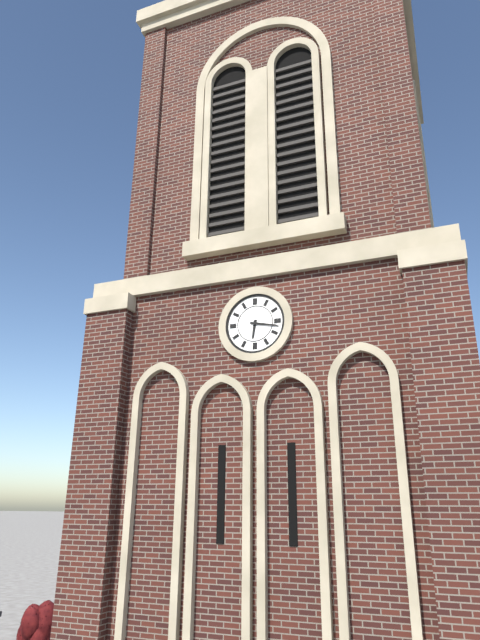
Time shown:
**6:17**
